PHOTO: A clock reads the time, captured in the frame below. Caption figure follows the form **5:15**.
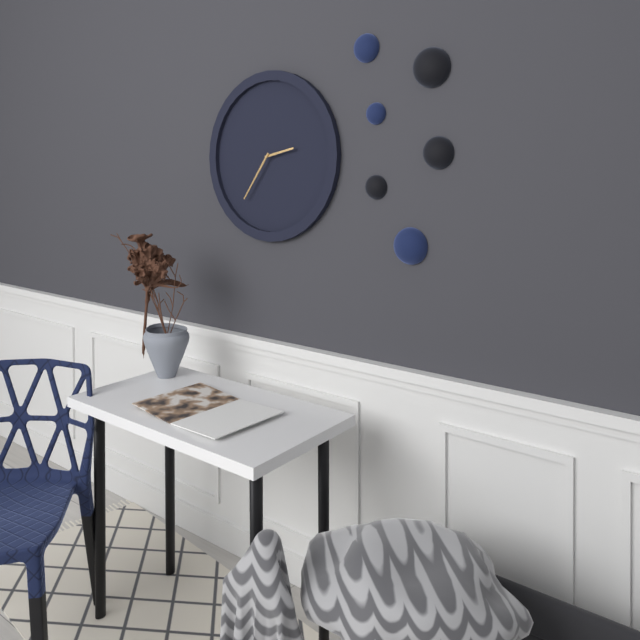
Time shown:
**2:36**
